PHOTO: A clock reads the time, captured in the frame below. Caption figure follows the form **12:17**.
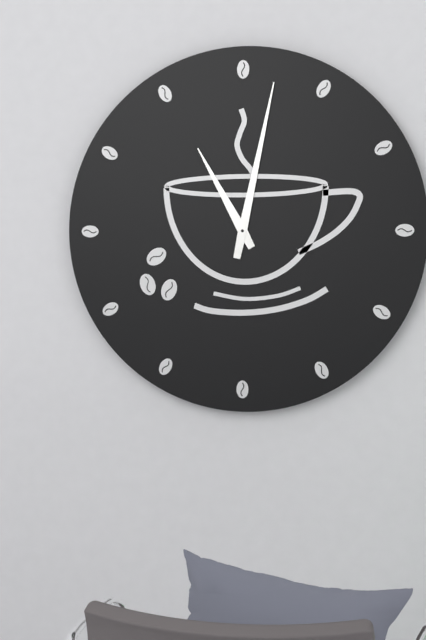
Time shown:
**11:02**
